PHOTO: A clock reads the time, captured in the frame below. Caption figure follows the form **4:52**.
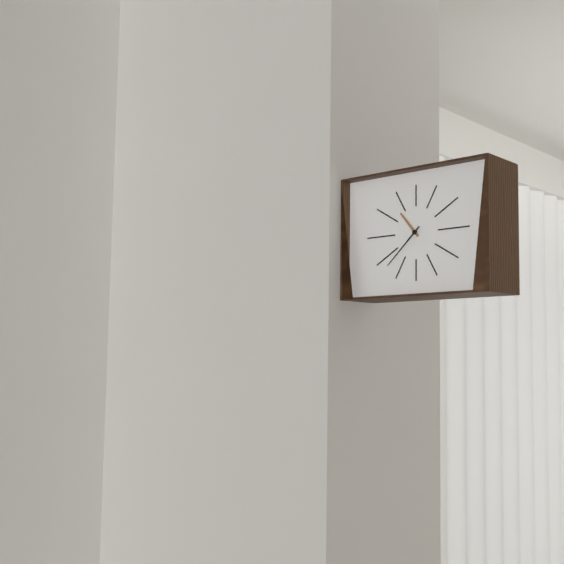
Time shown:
**10:38**
